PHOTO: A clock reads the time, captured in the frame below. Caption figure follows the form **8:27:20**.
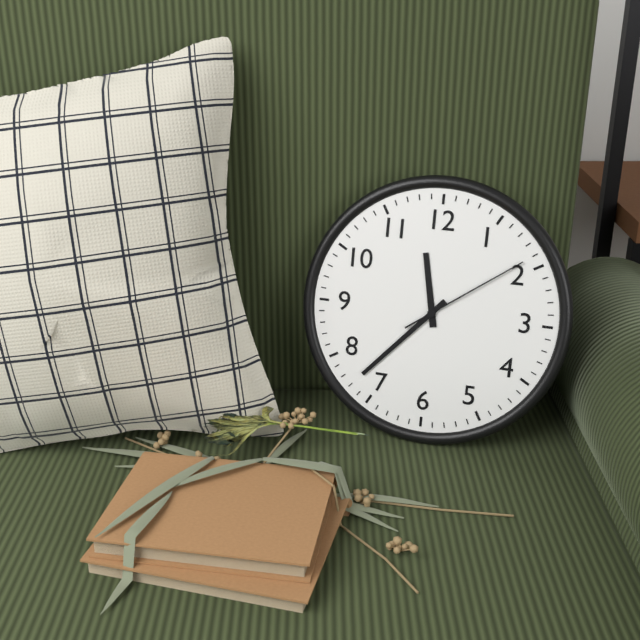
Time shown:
**11:37:09**
